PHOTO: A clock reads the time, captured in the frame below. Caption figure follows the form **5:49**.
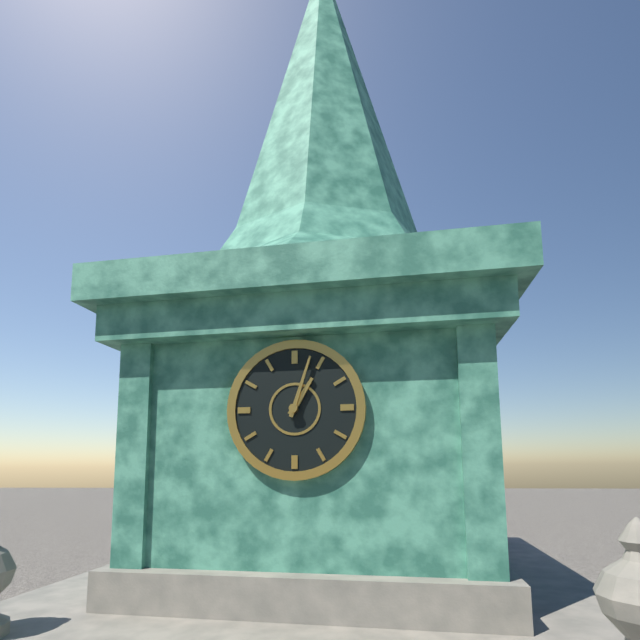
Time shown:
**1:03**
